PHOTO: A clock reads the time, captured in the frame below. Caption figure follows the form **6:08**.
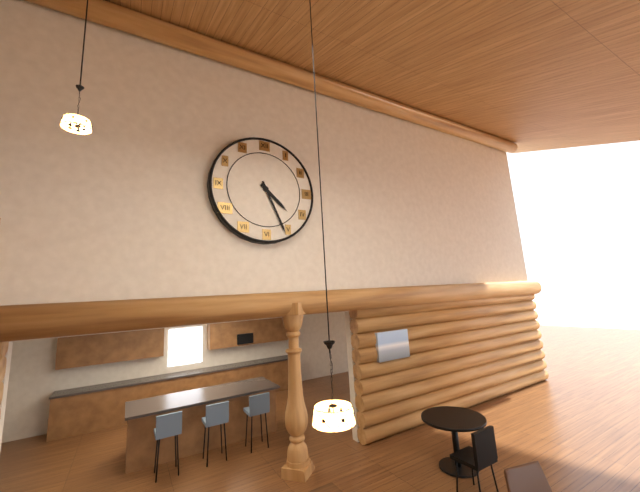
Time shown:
**4:26**
